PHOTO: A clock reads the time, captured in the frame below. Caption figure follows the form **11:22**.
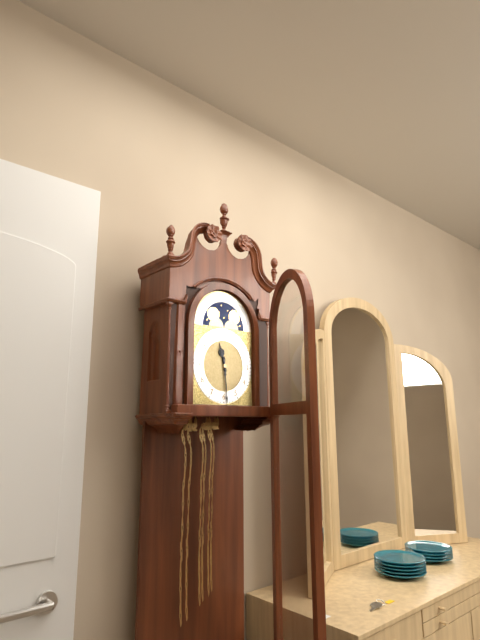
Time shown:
**11:29**
